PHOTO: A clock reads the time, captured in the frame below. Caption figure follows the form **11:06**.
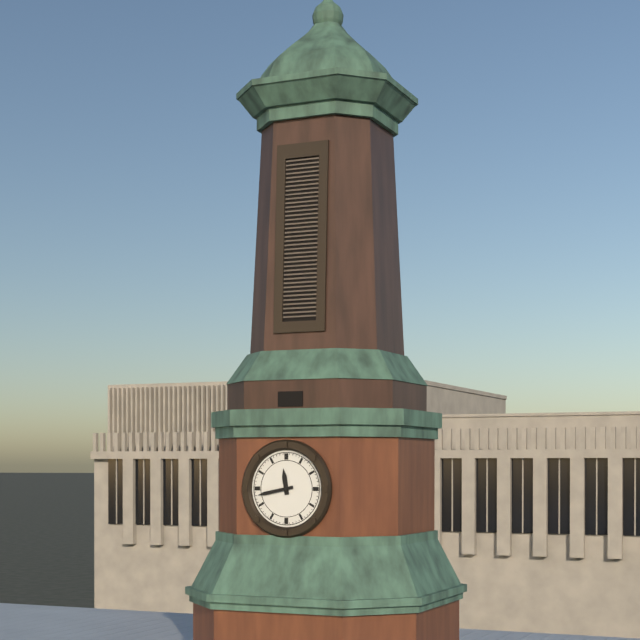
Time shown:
**11:43**
